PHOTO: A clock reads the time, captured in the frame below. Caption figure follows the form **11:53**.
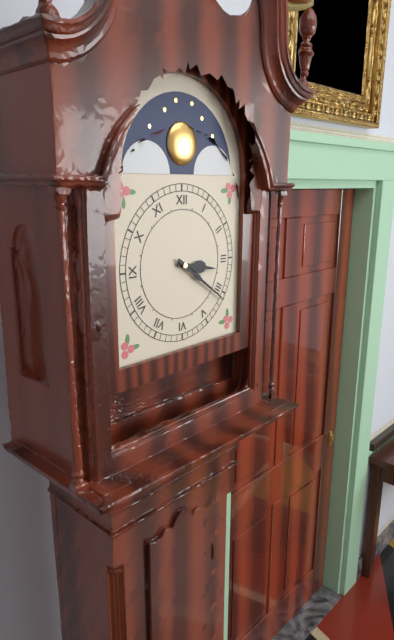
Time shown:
**3:21**
